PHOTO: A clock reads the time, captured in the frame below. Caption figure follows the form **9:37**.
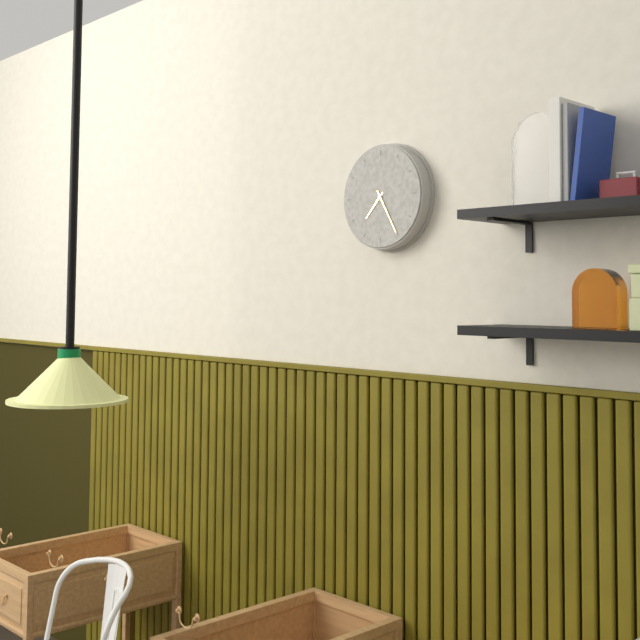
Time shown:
**7:25**
